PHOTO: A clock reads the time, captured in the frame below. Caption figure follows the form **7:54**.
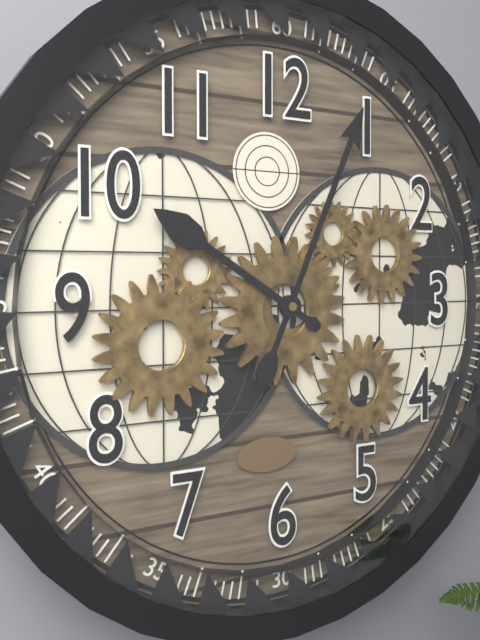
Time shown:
**10:04**
